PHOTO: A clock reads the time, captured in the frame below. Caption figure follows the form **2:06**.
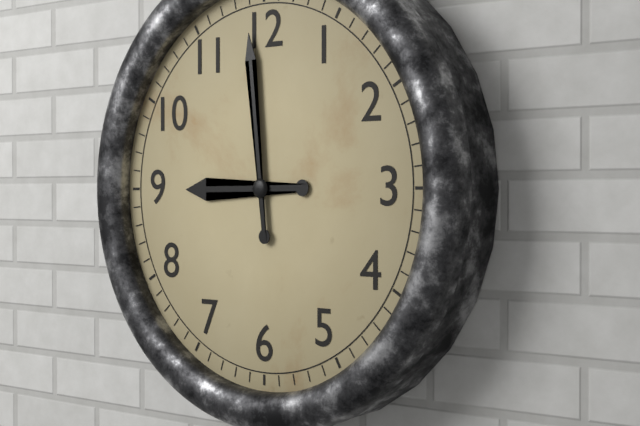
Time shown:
**8:59**
